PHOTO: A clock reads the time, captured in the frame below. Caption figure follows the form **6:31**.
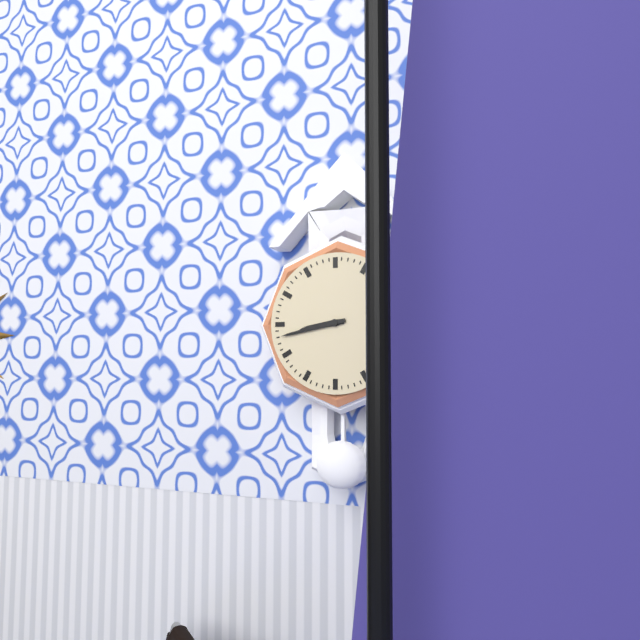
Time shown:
**8:43**
